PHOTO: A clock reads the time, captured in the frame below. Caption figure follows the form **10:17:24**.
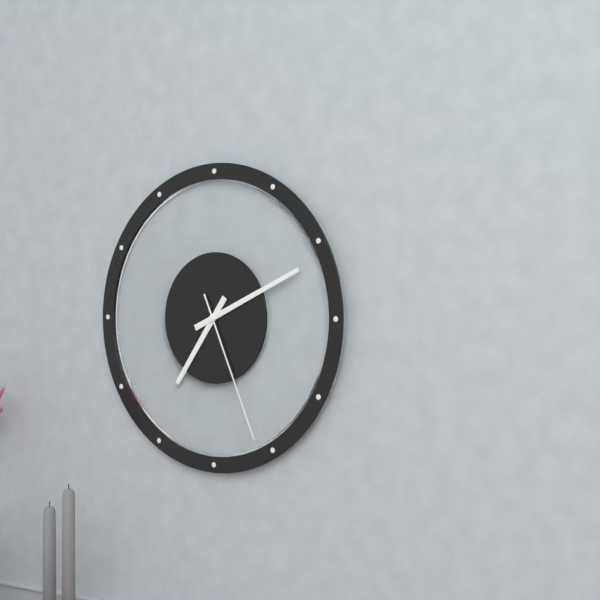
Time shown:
**7:11:26**
